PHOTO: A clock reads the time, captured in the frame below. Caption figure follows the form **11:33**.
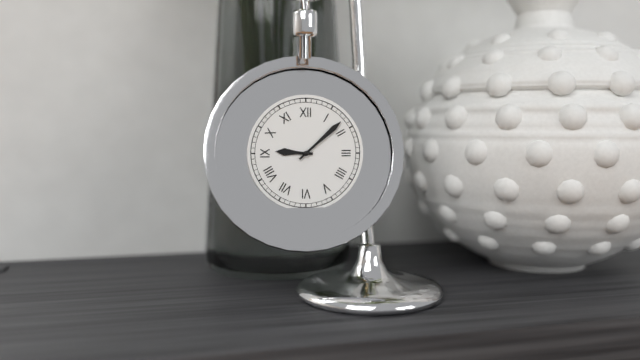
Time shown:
**9:08**
